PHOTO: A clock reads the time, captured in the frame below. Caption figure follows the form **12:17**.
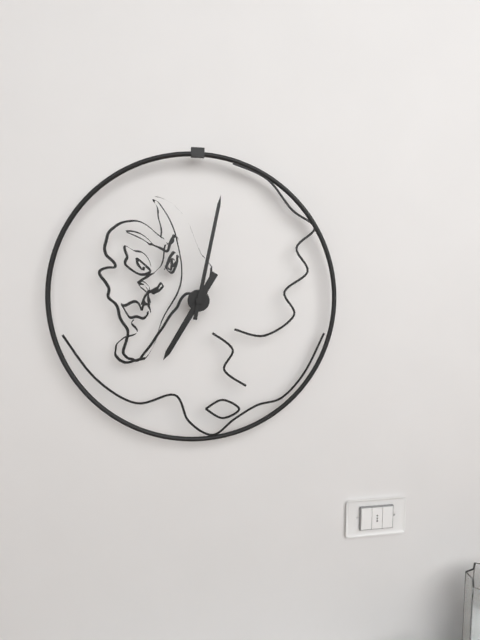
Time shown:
**7:02**
